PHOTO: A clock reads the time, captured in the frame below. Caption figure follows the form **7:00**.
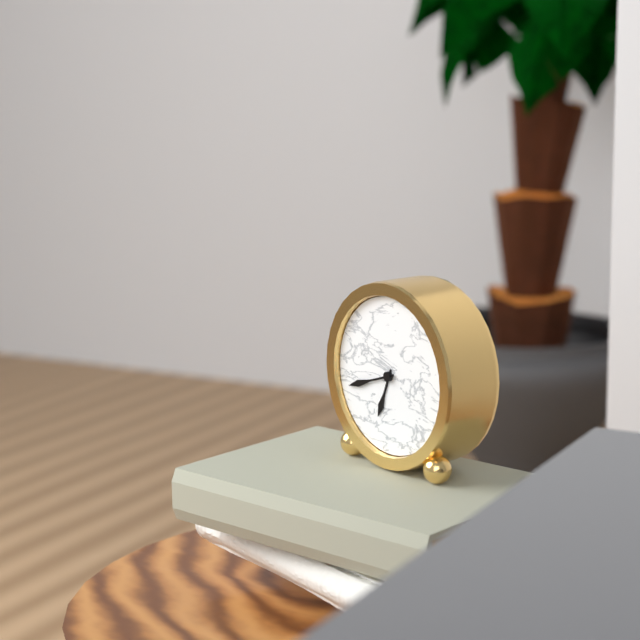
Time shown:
**6:42**
